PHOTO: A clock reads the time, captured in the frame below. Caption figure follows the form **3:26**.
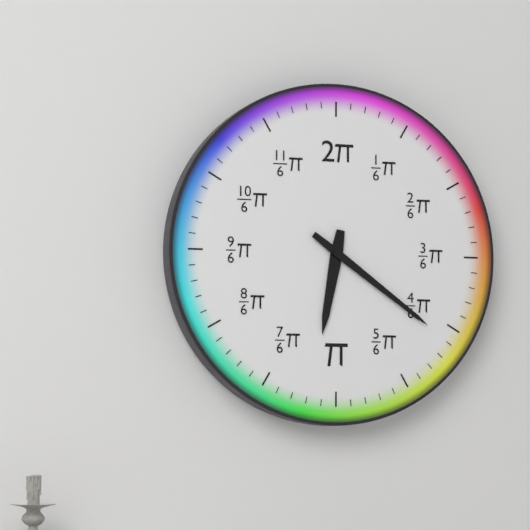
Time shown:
**6:21**
